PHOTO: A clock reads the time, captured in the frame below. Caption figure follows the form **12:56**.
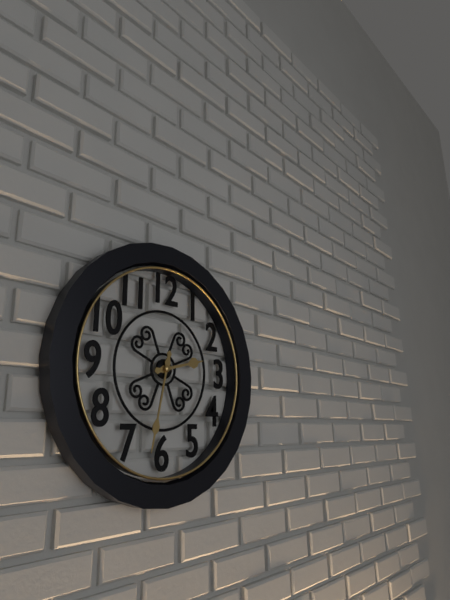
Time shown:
**2:32**
